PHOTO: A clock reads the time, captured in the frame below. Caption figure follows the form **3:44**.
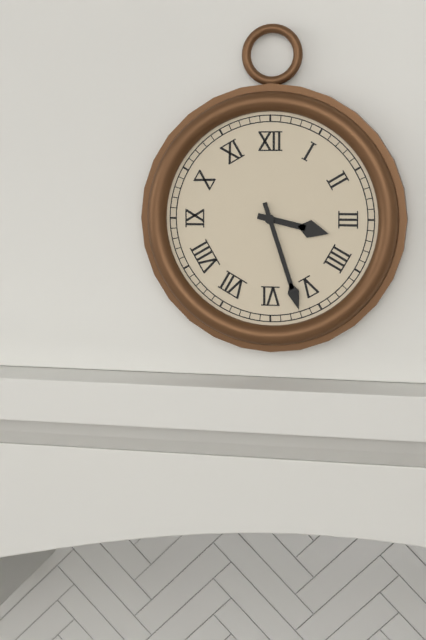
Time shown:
**3:27**
